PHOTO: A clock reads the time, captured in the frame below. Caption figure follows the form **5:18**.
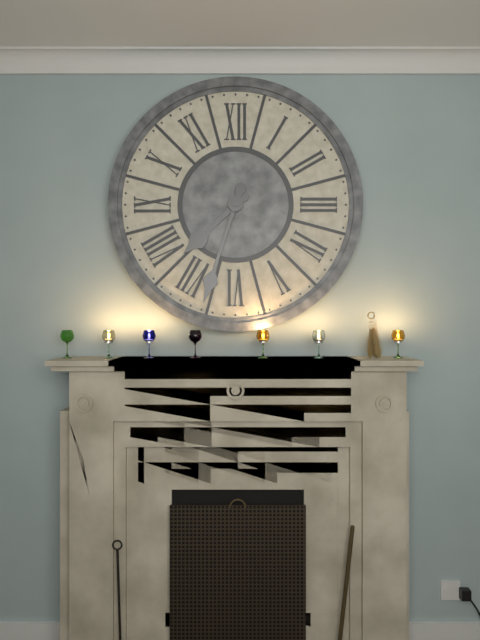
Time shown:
**7:33**
